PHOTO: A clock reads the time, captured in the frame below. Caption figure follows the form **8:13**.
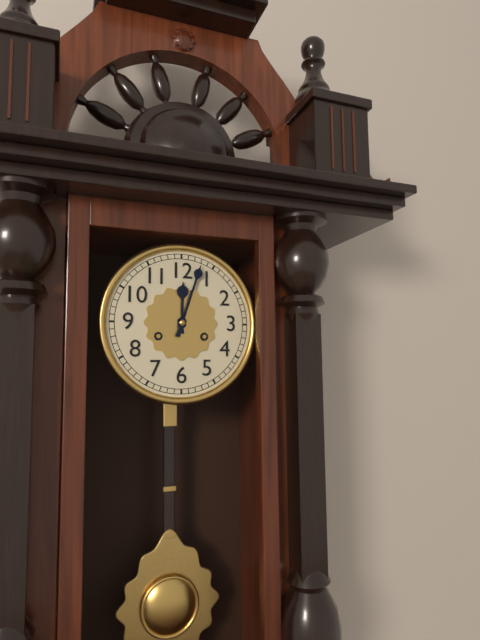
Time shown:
**12:03**
